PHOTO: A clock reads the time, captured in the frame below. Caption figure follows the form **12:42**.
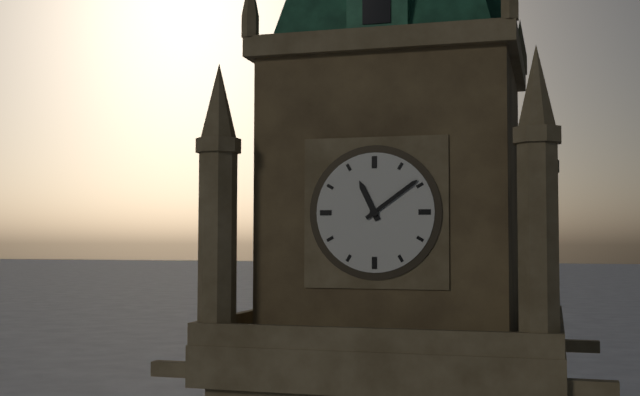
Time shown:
**11:09**
